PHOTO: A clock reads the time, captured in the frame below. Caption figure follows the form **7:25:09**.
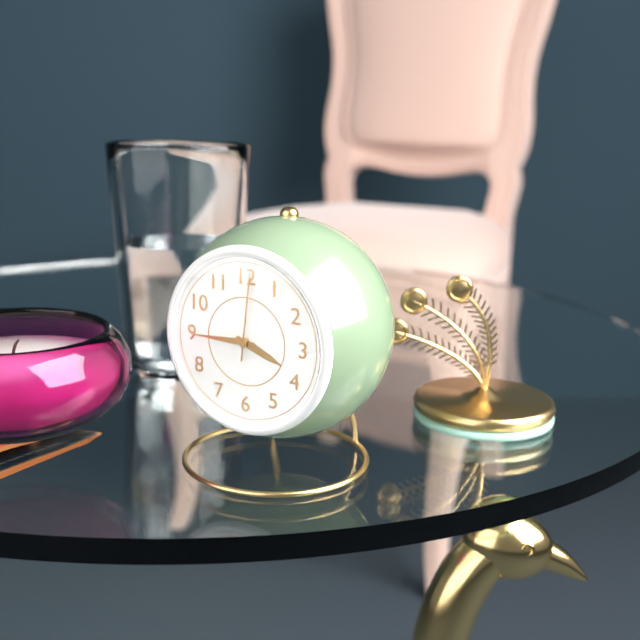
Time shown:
**3:45:01**
